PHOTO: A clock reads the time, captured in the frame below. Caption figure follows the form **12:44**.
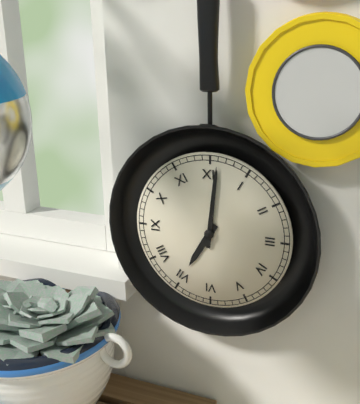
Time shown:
**7:01**
